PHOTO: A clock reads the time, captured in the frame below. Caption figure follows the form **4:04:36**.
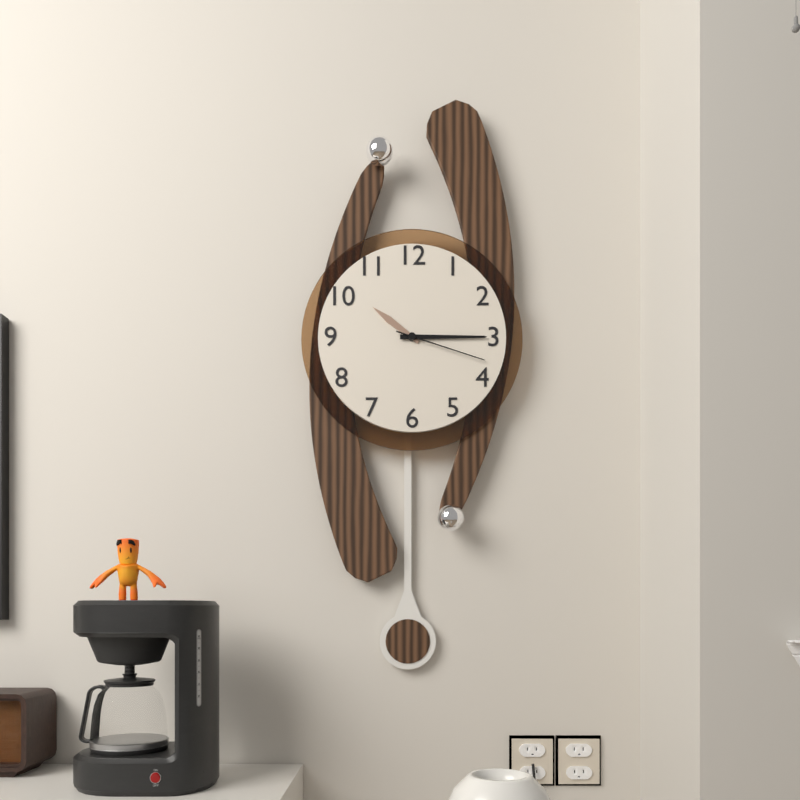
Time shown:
**10:15:18**
